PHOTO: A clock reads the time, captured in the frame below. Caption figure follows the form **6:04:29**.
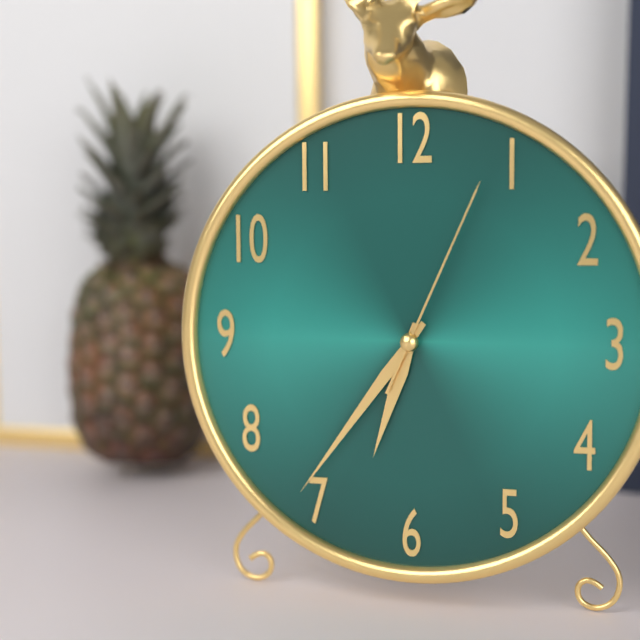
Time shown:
**6:36:04**
